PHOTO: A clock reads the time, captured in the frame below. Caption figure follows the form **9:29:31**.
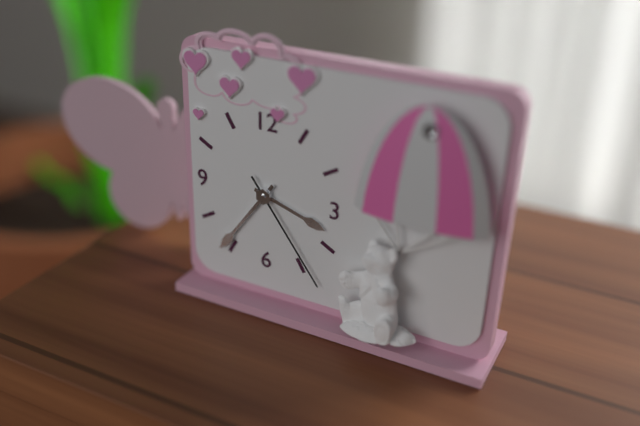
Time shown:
**3:36:24**
